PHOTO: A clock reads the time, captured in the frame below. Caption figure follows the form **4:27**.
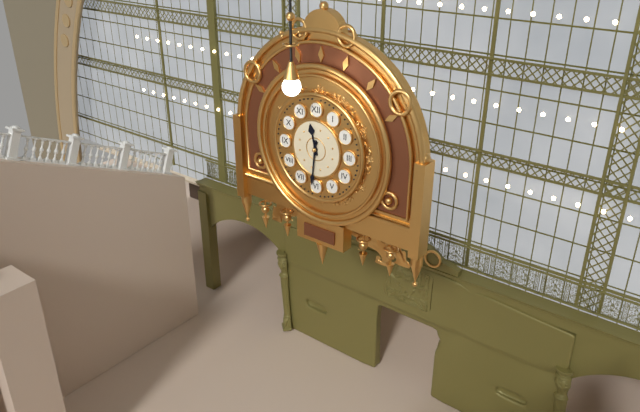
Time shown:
**11:31**
